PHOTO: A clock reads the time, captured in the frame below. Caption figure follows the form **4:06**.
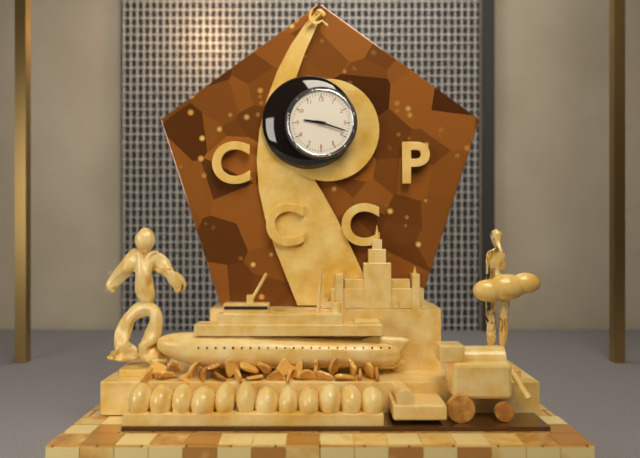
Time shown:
**9:18**
